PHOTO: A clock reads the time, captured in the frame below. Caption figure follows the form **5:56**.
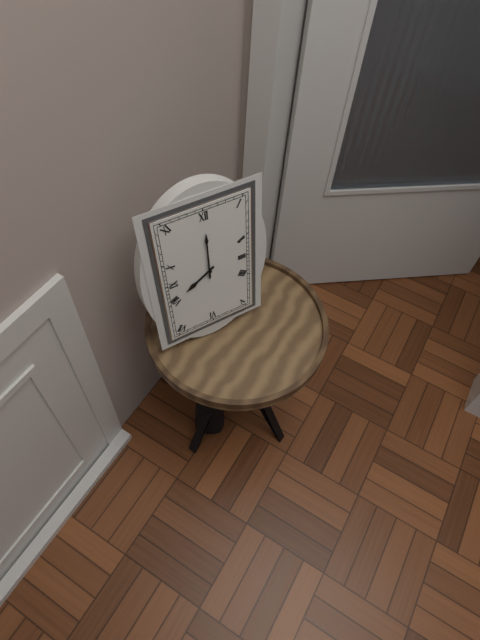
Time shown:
**8:00**
